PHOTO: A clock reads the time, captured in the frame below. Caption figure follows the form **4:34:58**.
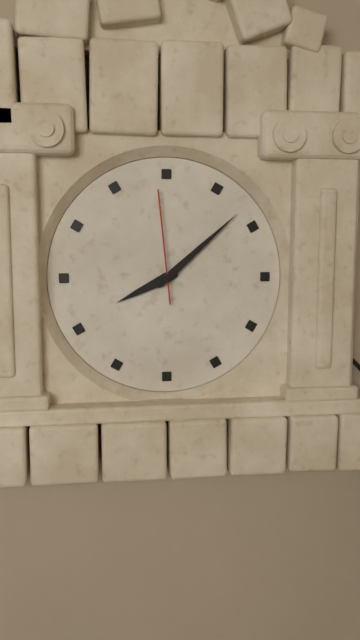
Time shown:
**8:08:59**
